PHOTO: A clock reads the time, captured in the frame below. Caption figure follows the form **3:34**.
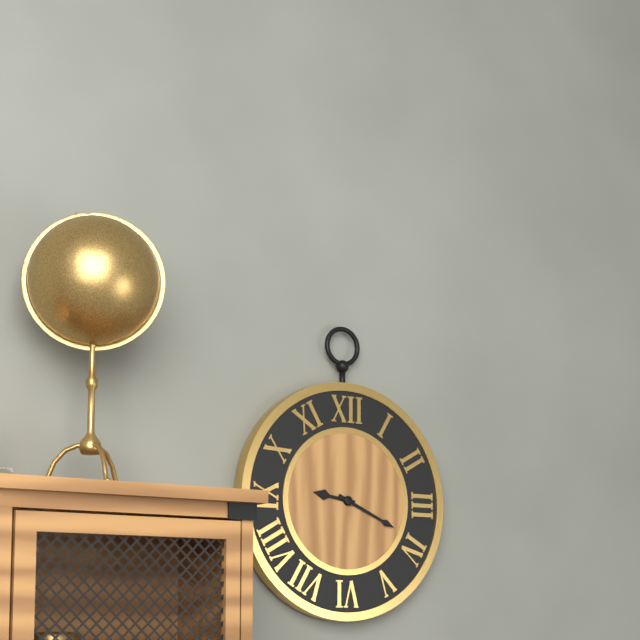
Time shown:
**9:19**
